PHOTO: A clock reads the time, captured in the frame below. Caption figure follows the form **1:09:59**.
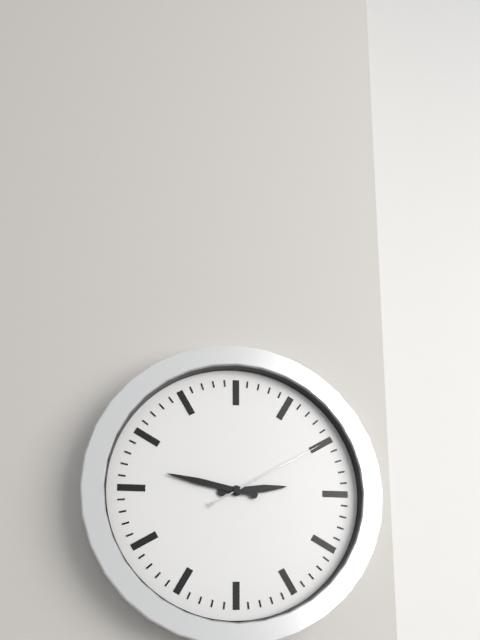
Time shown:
**2:47:10**
